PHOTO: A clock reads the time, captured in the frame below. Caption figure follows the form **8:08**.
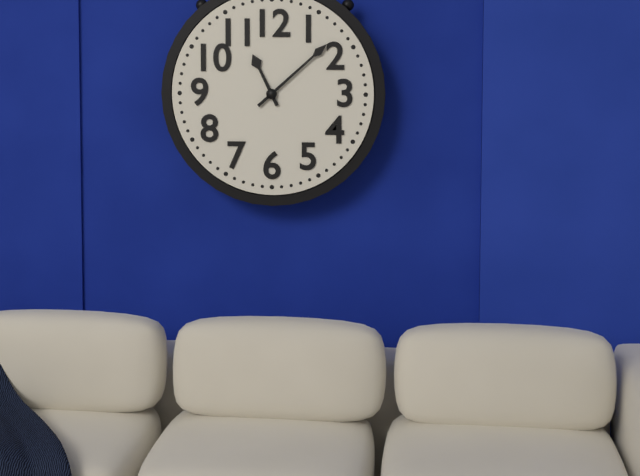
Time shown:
**11:08**
